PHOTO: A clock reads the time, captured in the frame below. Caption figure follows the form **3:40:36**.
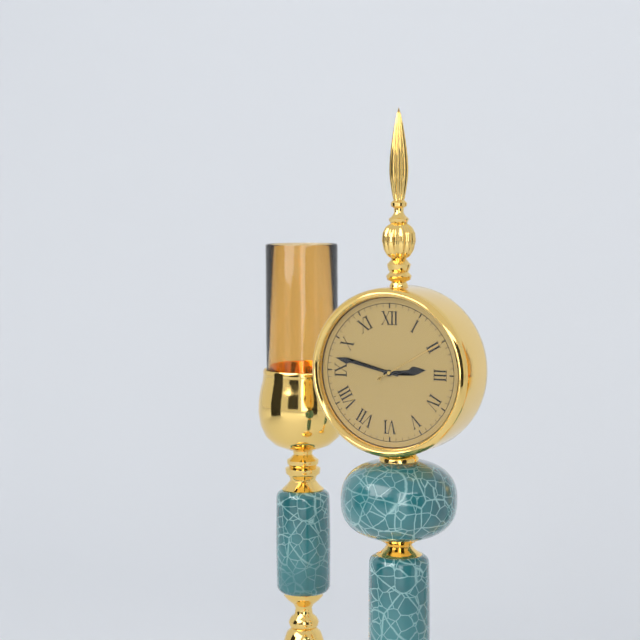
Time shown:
**2:47:10**
